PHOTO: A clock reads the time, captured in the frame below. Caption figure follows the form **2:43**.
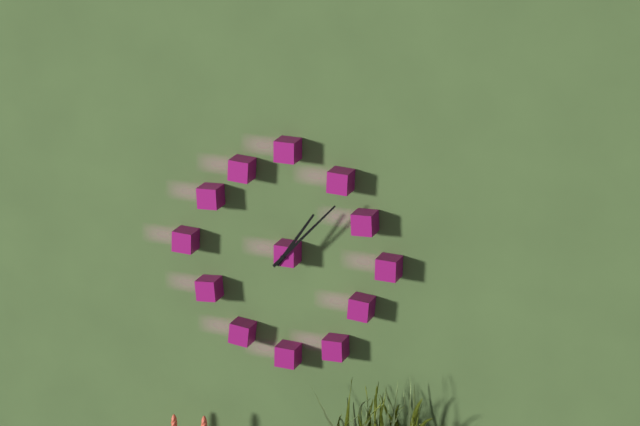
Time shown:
**1:07**
